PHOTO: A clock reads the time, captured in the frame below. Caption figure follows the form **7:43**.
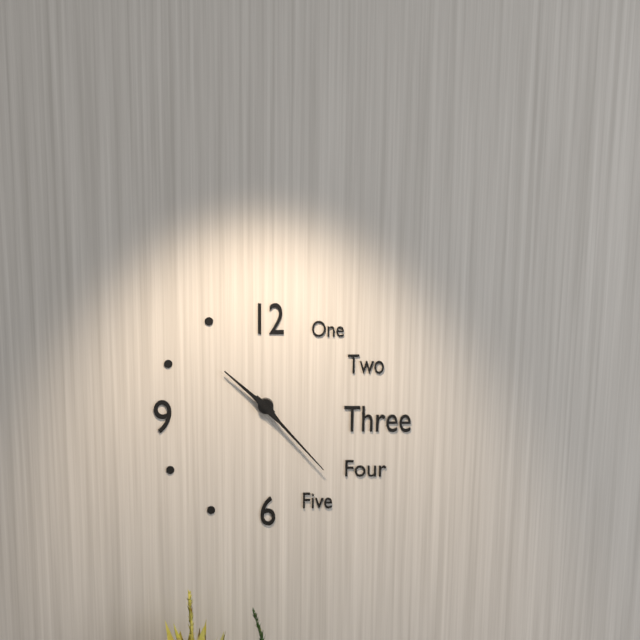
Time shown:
**10:23**
